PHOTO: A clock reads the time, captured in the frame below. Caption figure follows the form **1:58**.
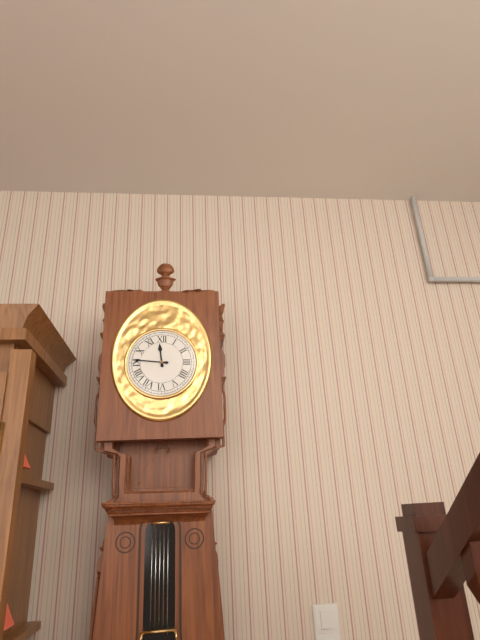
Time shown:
**11:46**
